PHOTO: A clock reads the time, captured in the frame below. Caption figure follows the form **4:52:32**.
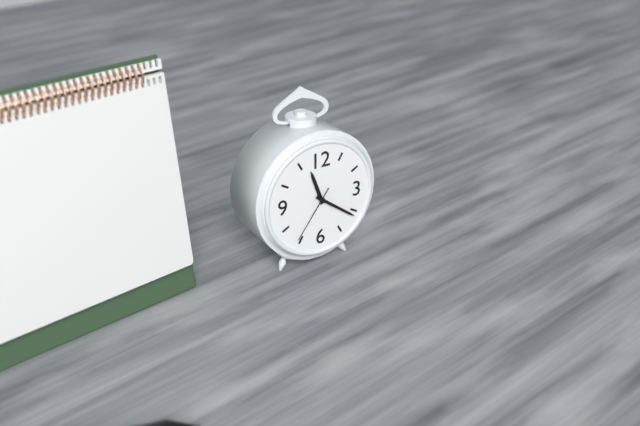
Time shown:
**11:21:36**
